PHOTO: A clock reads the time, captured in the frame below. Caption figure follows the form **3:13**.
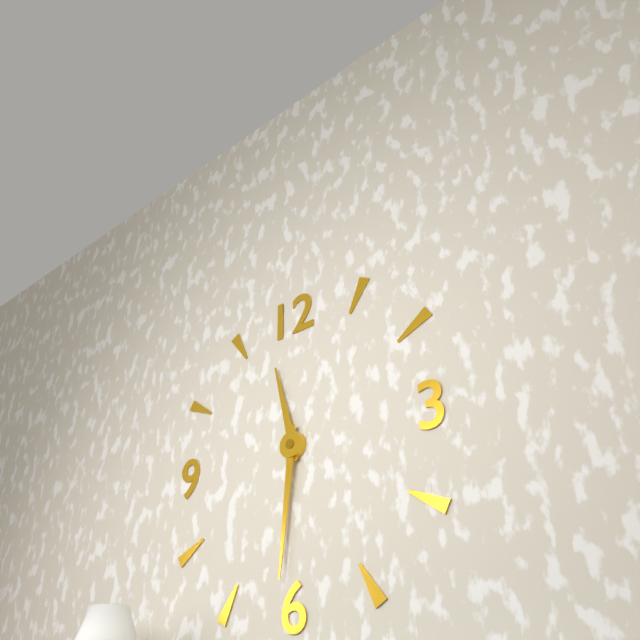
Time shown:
**11:31**
